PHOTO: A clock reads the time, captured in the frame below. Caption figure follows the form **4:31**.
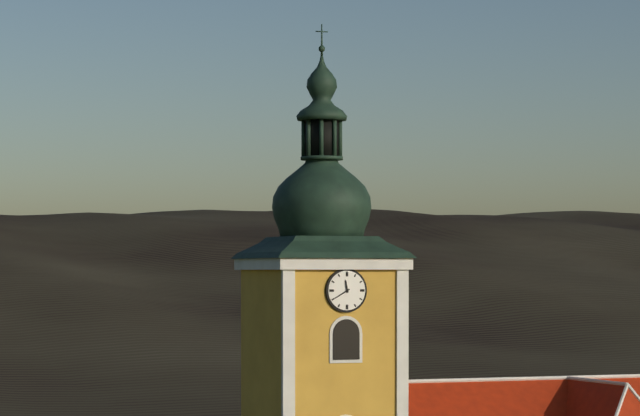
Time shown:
**11:40**
